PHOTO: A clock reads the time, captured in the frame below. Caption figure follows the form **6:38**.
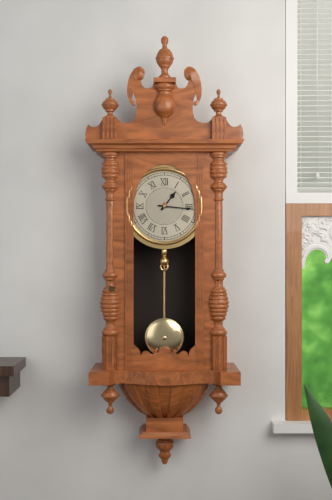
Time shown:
**1:16**
